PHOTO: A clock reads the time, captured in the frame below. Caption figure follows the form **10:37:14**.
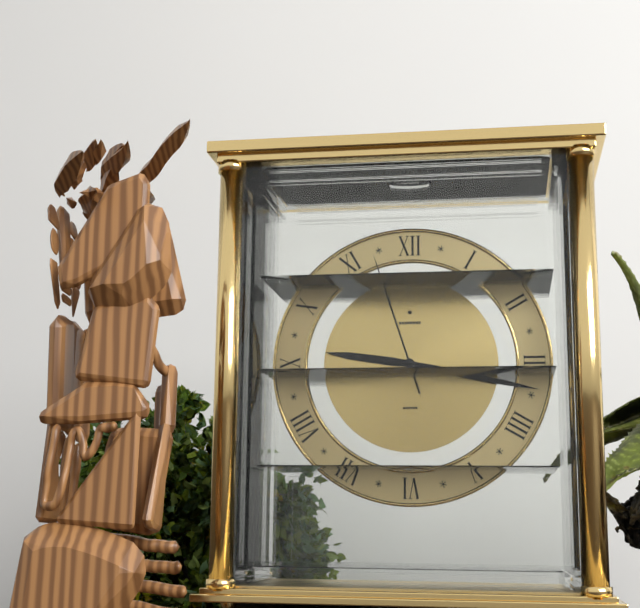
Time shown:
**9:17:57**
